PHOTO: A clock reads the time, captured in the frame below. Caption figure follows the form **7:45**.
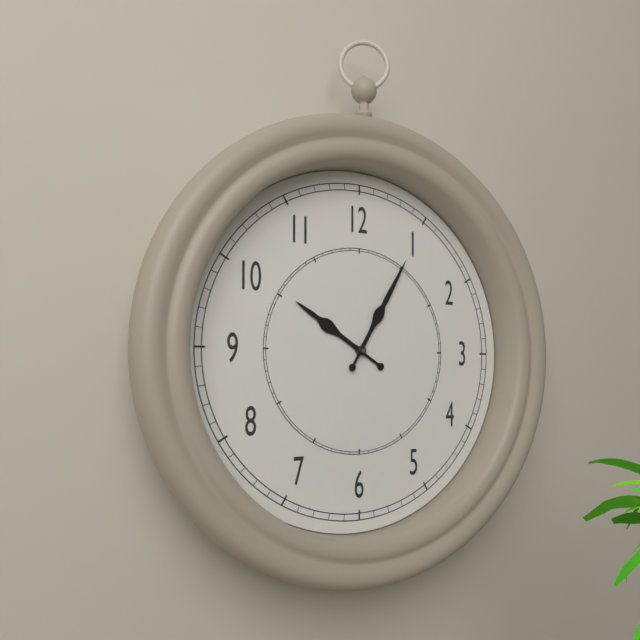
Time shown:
**10:05**
